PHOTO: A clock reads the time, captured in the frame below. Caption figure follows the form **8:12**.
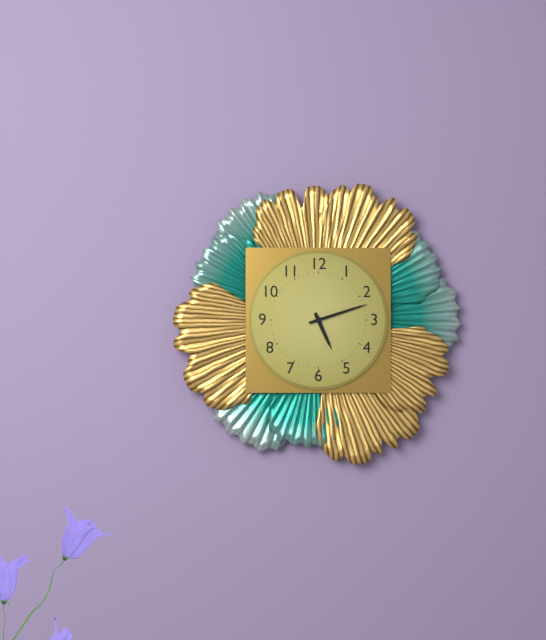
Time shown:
**5:12**
